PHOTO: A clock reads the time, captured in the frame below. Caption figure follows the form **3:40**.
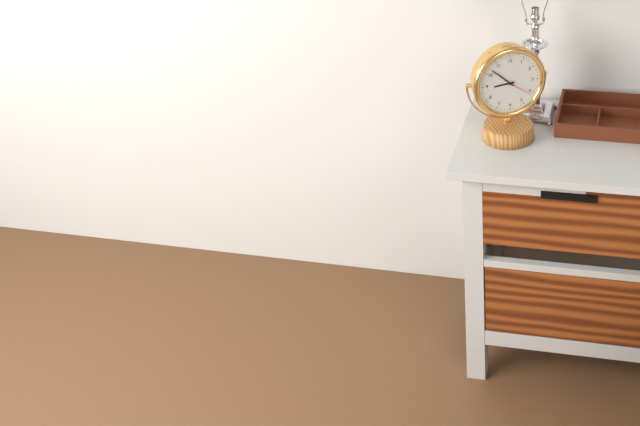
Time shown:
**8:52**
